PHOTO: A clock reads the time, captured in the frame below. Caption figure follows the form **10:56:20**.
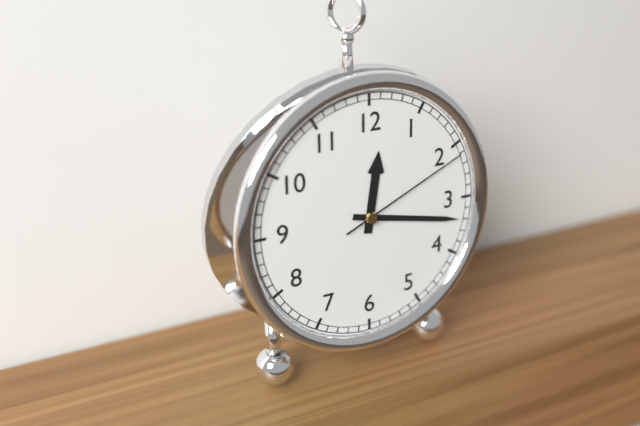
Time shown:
**12:17:11**
